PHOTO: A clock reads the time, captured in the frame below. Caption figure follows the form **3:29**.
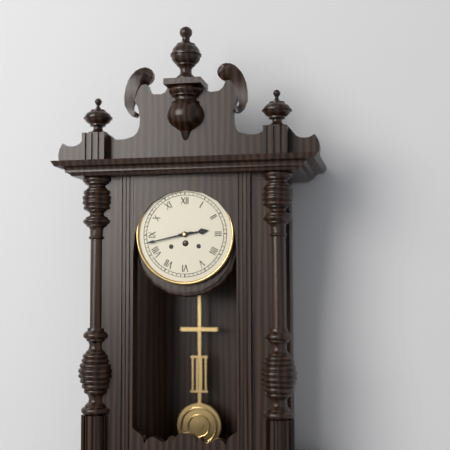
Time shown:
**2:43**
